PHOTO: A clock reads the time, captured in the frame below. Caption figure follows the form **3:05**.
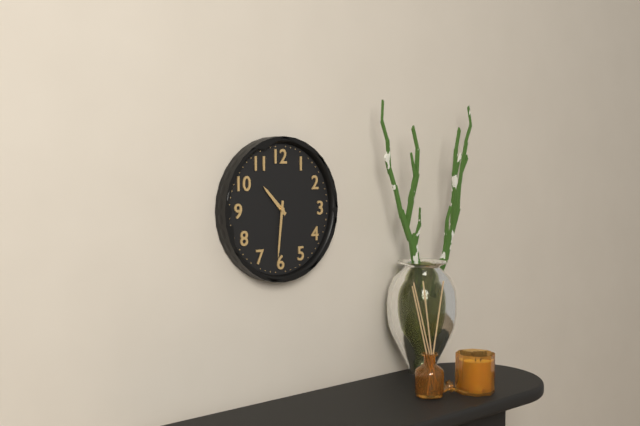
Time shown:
**10:31**
